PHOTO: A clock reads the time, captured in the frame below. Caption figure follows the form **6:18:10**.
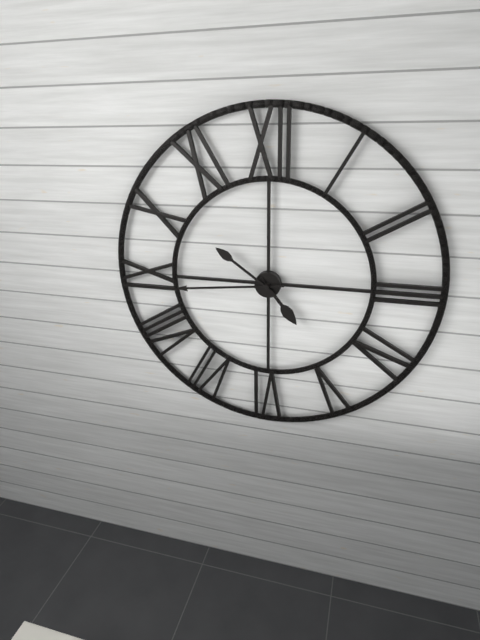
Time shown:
**4:44:51**
